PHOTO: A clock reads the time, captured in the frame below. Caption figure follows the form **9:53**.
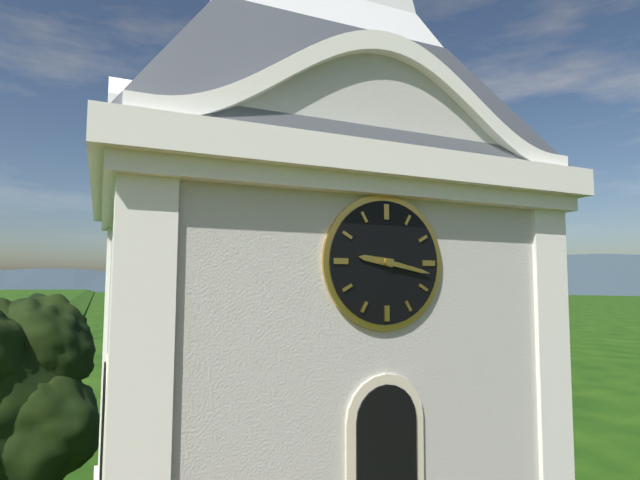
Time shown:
**9:17**
